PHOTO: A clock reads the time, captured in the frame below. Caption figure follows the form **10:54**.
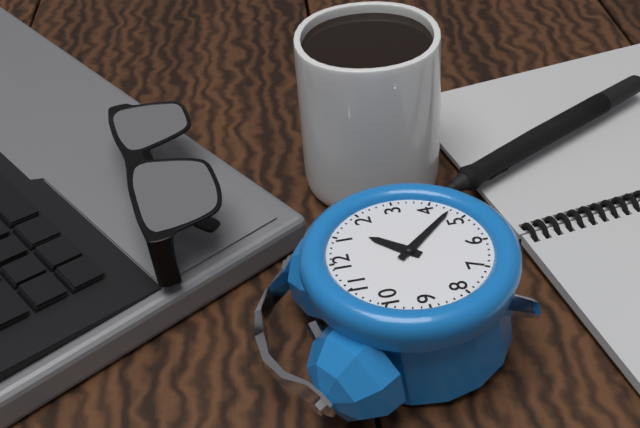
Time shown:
**1:23**
